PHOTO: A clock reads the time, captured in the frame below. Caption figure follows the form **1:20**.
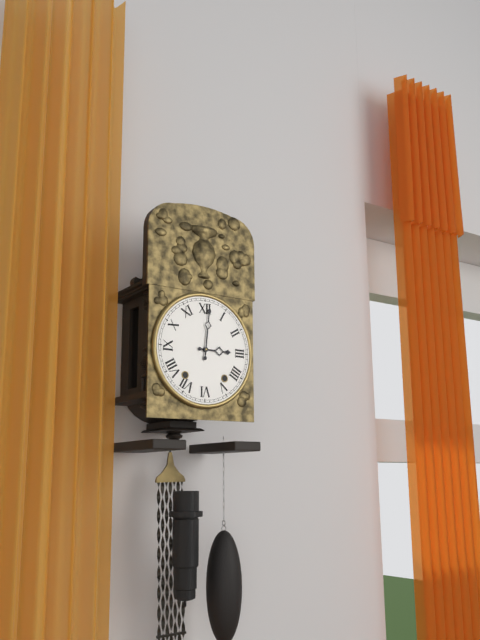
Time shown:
**3:01**
